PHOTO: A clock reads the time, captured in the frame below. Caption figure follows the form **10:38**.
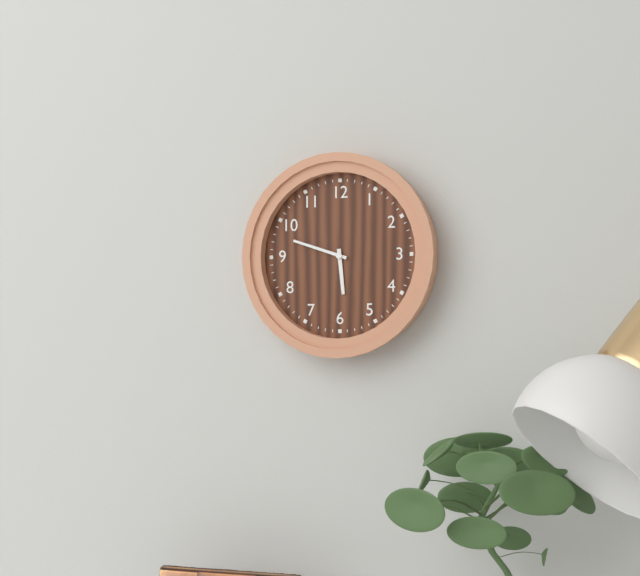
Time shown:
**5:48**
